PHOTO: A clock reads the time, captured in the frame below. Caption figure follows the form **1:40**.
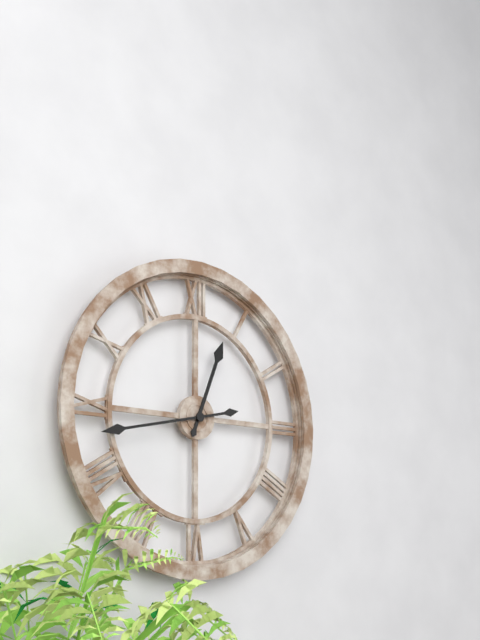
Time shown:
**12:43**
